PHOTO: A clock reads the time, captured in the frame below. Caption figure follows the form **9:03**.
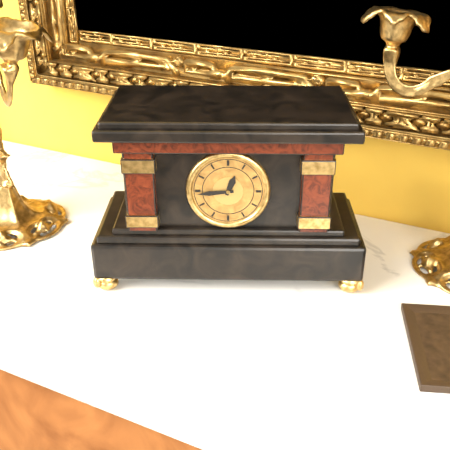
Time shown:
**12:44**
